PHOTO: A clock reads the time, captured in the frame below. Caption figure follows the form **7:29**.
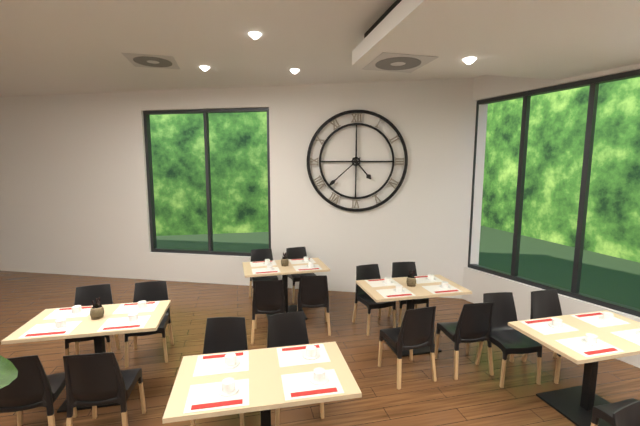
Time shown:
**4:38**
